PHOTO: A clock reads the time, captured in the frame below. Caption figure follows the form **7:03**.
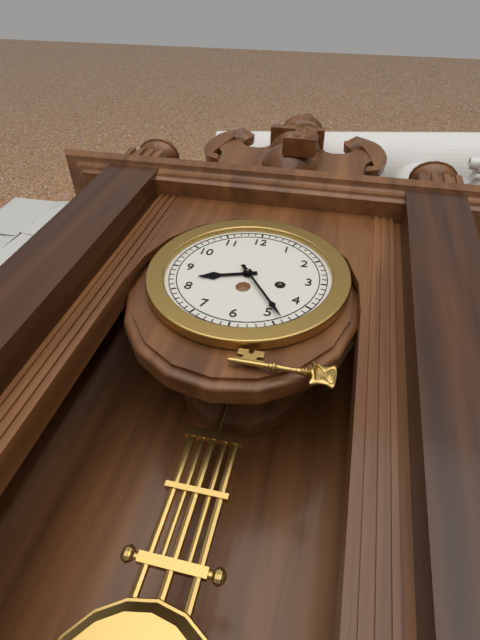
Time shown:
**8:24**
